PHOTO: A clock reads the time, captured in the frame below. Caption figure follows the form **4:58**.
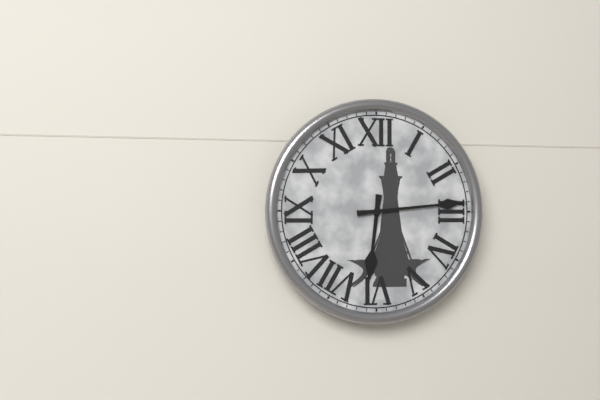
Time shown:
**6:14**
